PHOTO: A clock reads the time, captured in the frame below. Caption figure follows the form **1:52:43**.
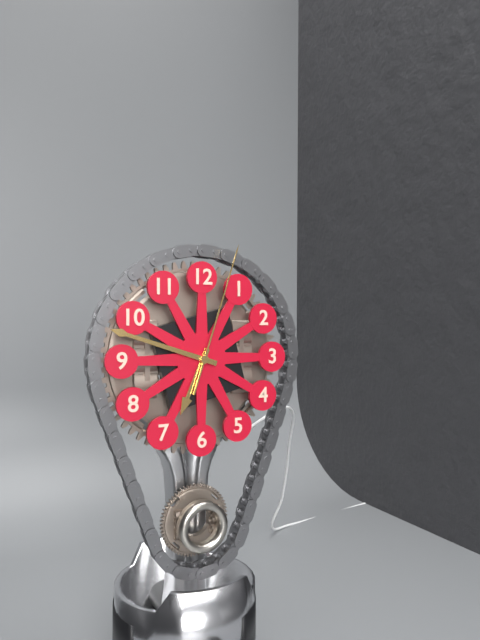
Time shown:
**6:48:03**
